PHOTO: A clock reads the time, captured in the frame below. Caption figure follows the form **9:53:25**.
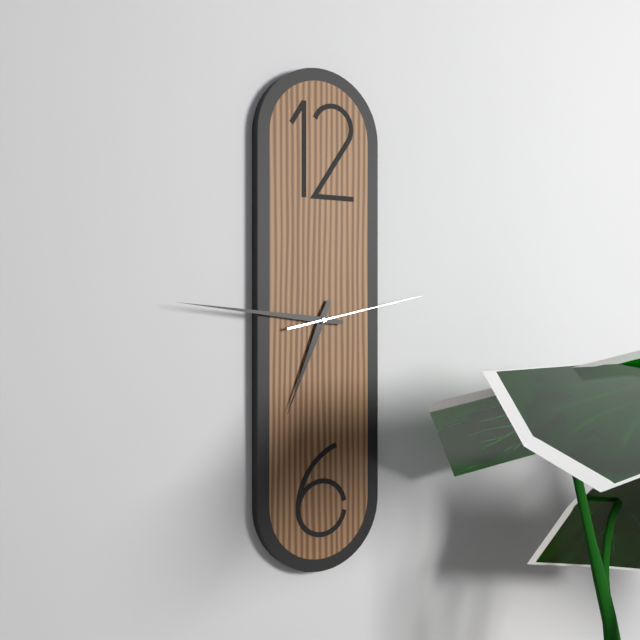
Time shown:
**6:46:13**
